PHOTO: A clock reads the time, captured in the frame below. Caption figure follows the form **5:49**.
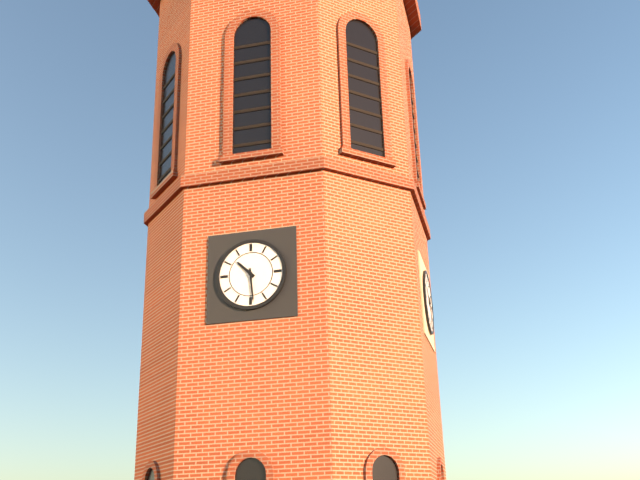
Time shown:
**10:29**
